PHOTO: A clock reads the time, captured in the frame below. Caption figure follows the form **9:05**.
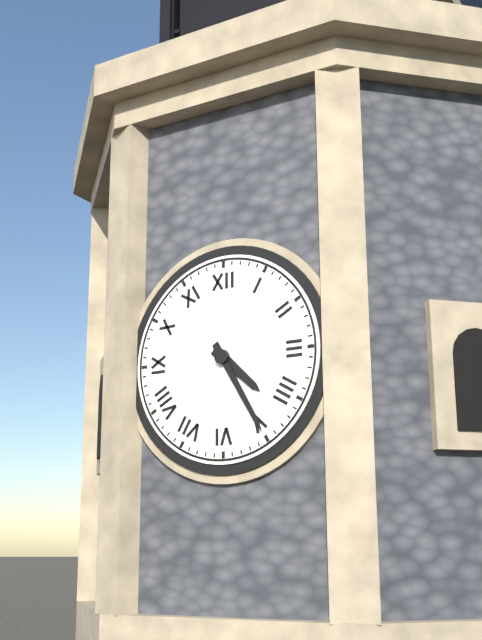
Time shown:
**4:25**
